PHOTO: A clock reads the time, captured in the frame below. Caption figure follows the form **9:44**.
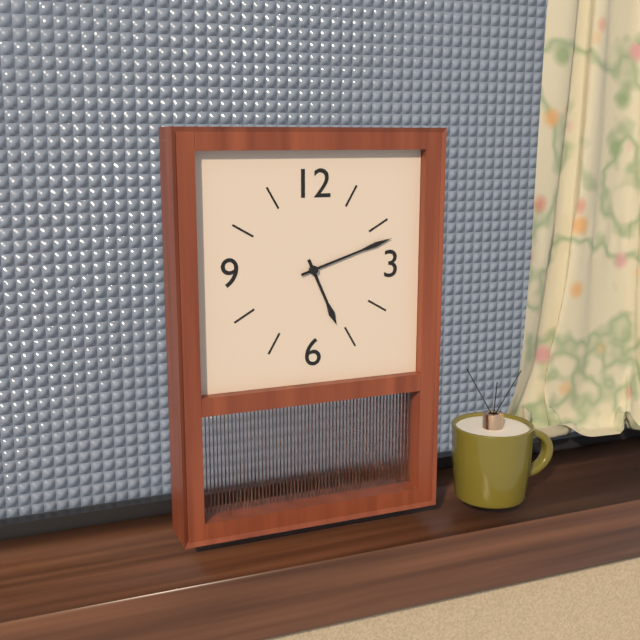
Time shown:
**5:12**
